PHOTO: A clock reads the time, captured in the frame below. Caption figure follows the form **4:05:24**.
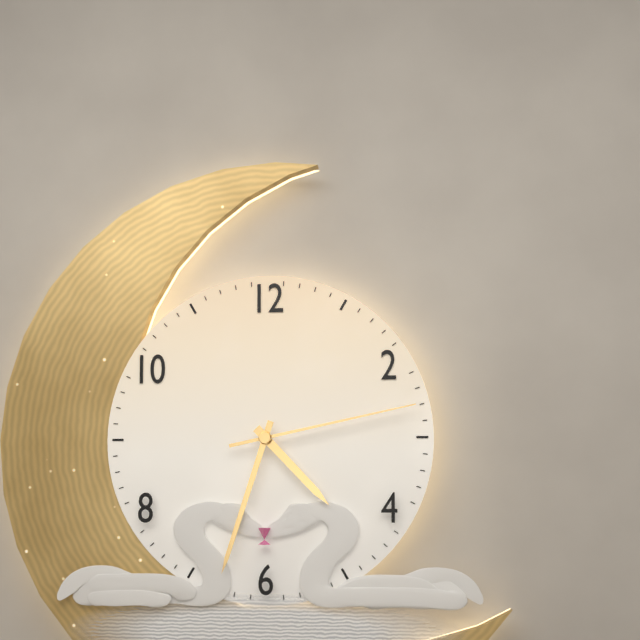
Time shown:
**4:33:13**
